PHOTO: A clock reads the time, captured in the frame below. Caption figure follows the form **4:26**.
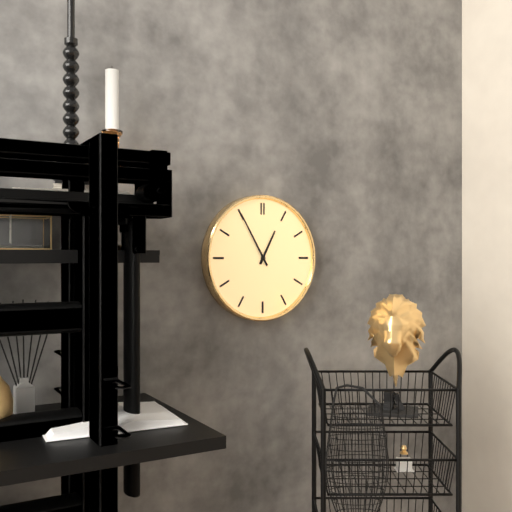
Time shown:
**12:55**
